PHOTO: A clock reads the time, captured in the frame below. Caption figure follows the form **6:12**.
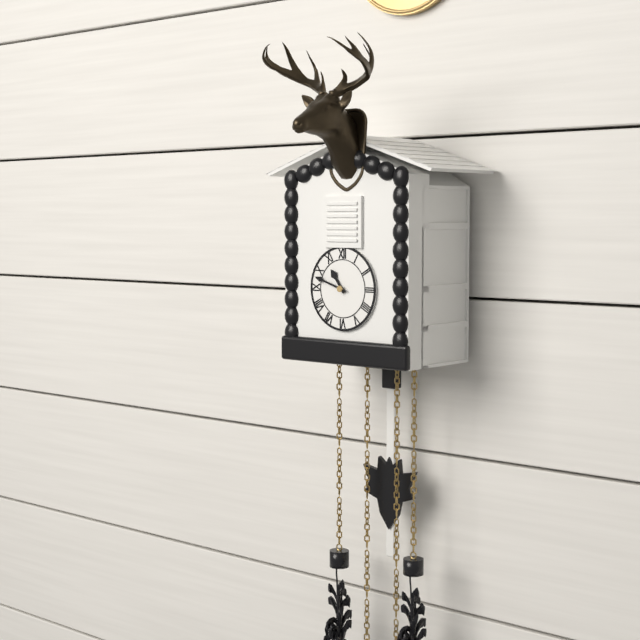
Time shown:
**10:48**
